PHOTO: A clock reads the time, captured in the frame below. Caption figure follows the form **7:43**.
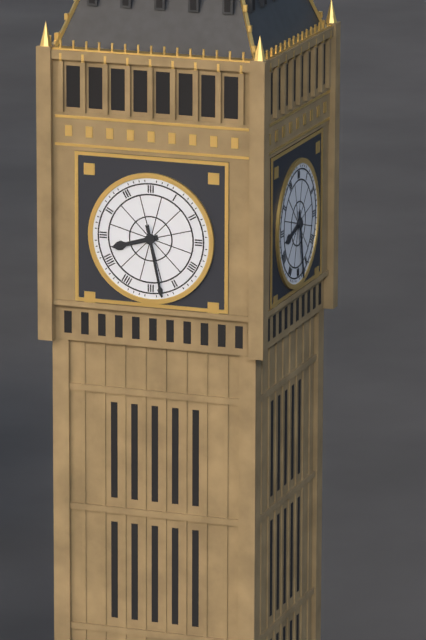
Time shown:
**8:28**
